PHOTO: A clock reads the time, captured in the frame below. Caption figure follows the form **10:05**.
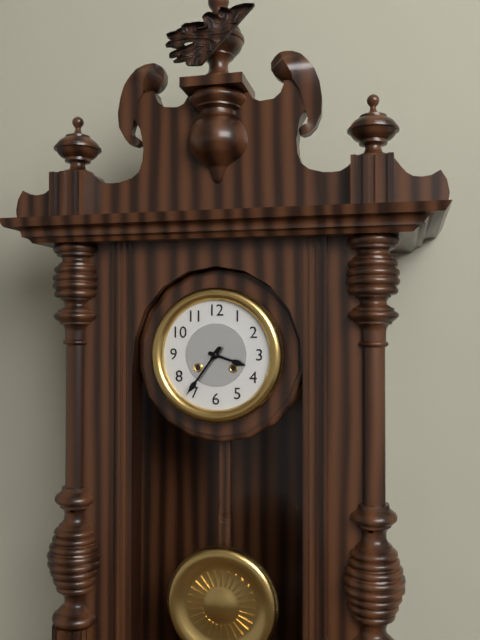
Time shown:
**3:36**
